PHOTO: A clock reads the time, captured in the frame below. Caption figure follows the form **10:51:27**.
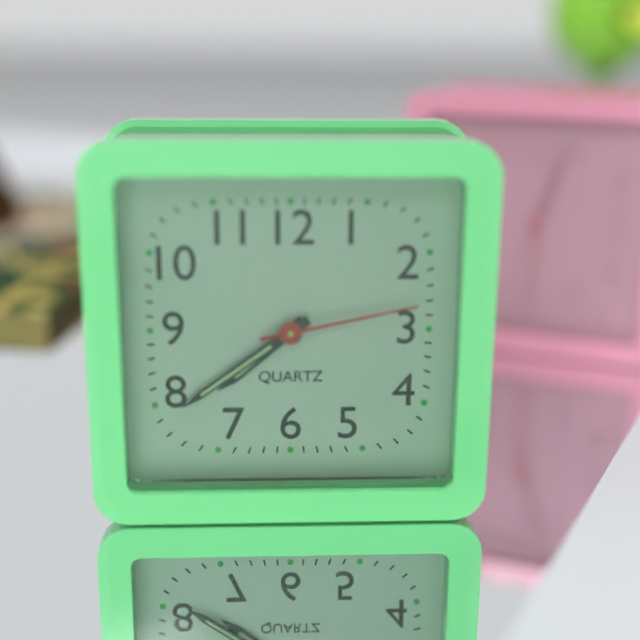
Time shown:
**7:39:13**
